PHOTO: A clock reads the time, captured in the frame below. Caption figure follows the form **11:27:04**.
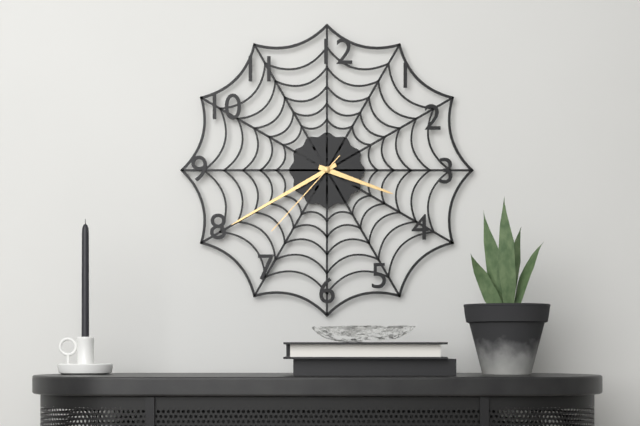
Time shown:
**3:40:37**
